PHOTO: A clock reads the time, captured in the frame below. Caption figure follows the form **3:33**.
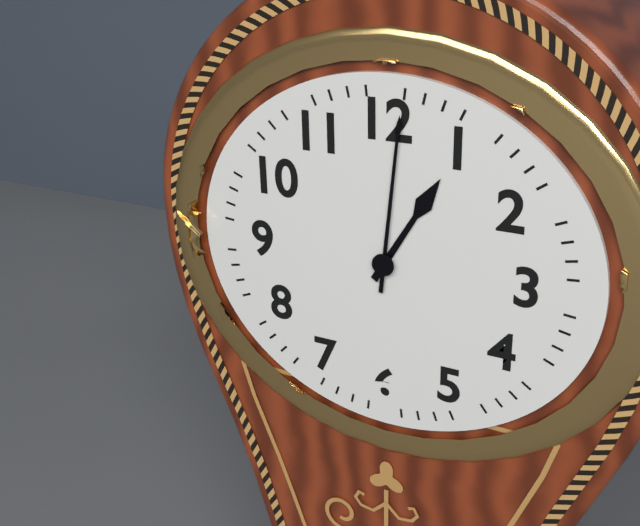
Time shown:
**1:01**
